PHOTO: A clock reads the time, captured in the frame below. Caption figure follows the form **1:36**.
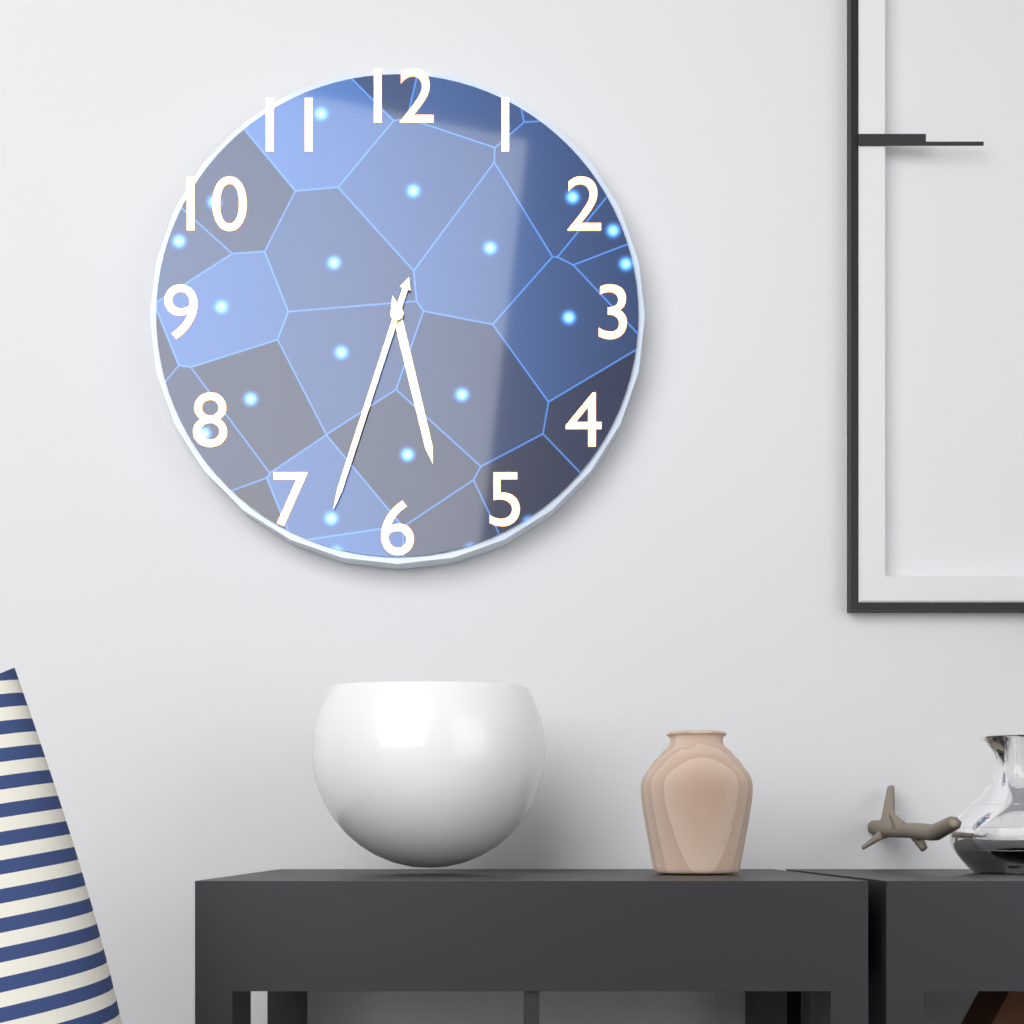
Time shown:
**5:33**
